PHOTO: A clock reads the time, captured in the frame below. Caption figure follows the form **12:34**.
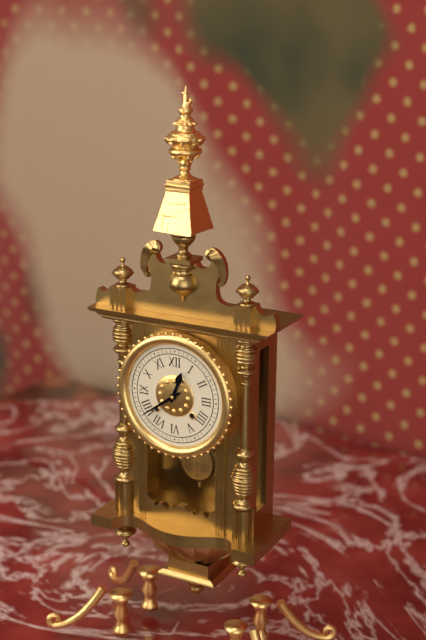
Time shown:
**12:39**
